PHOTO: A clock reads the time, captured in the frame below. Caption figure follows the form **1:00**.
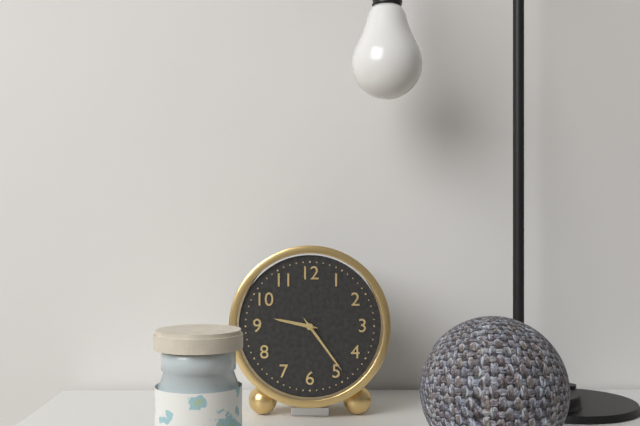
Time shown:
**9:24**
